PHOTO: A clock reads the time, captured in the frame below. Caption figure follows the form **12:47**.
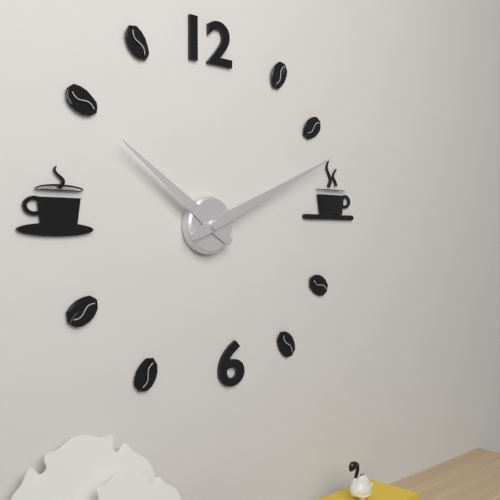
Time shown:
**10:11**
